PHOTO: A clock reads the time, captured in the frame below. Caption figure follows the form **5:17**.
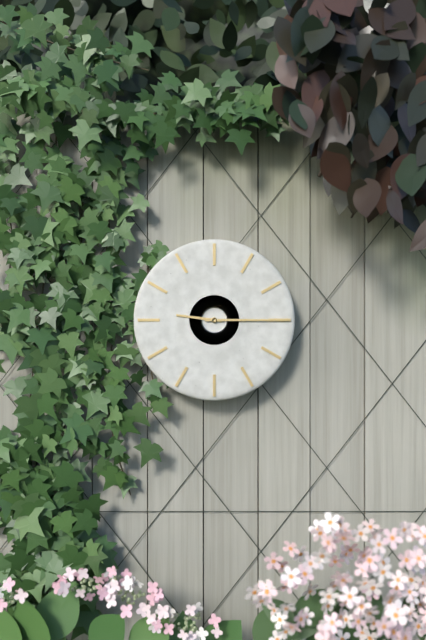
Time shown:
**9:15**
